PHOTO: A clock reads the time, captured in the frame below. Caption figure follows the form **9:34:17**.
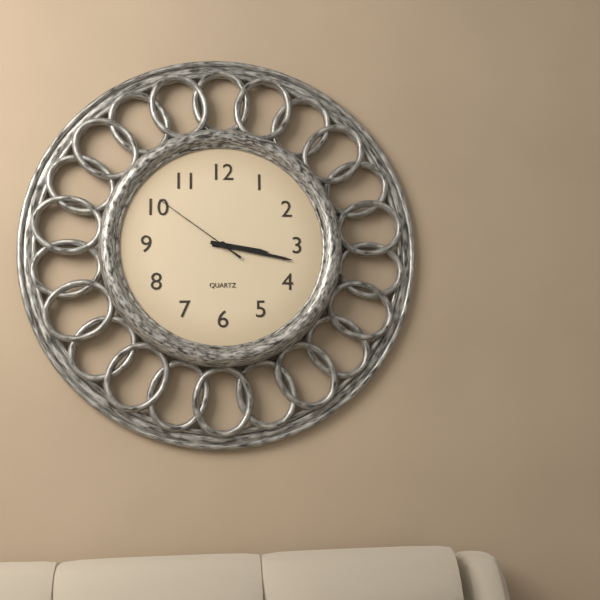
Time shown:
**3:17:51**
